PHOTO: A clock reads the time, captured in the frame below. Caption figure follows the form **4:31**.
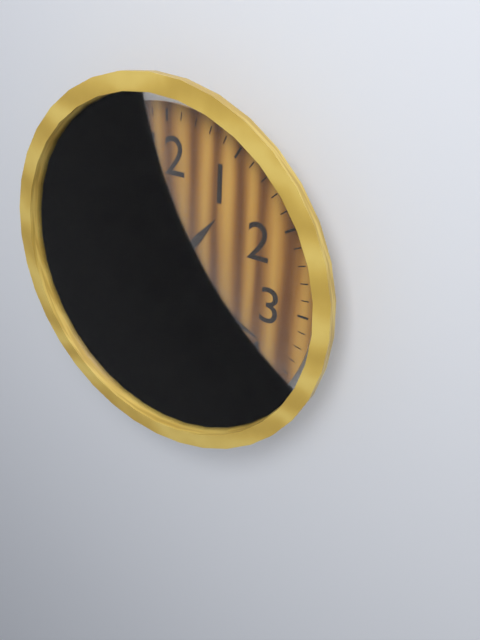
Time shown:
**1:18**
